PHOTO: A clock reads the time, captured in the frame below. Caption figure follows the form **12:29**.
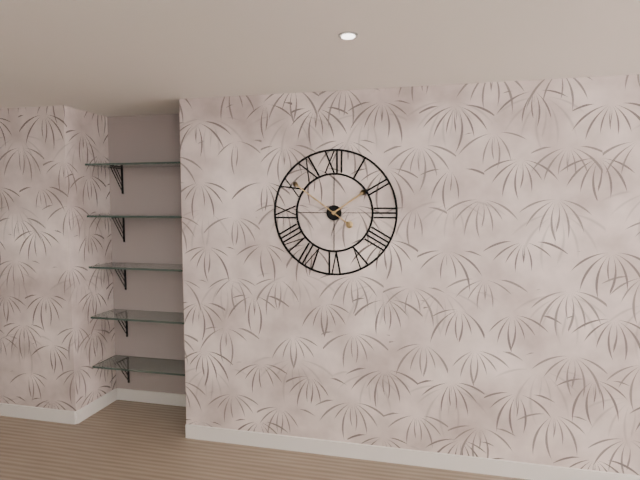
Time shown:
**1:51**
